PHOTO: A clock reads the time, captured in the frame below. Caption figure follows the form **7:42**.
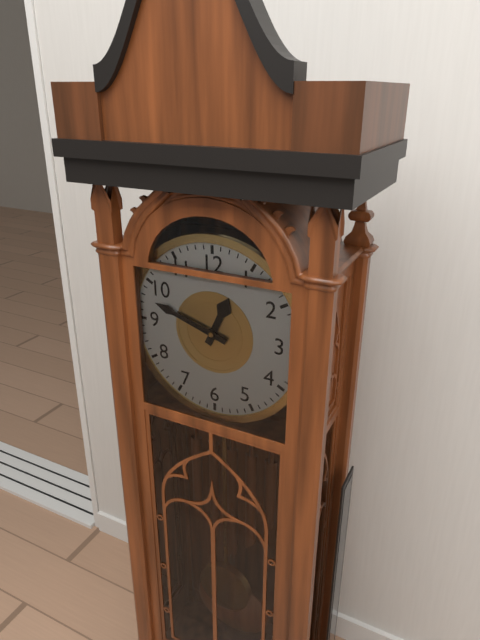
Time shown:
**12:48**
